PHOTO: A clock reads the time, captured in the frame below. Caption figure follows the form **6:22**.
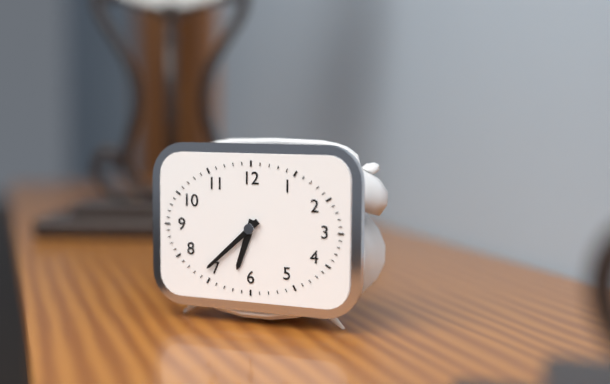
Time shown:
**6:38**
